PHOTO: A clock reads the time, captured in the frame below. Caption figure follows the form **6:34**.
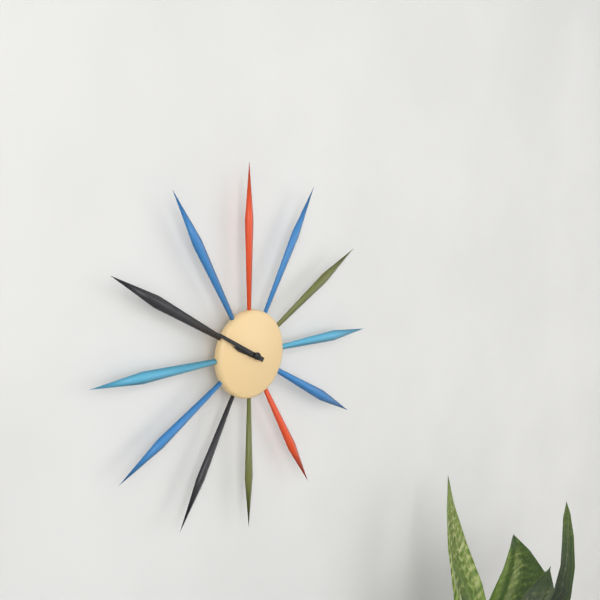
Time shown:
**9:50**
